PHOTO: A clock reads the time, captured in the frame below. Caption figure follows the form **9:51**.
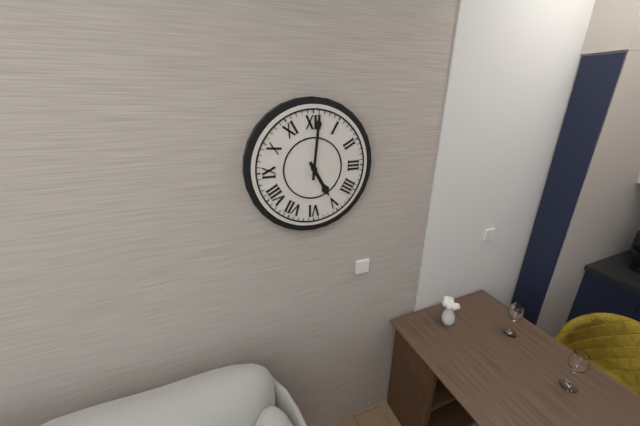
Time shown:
**5:01**
